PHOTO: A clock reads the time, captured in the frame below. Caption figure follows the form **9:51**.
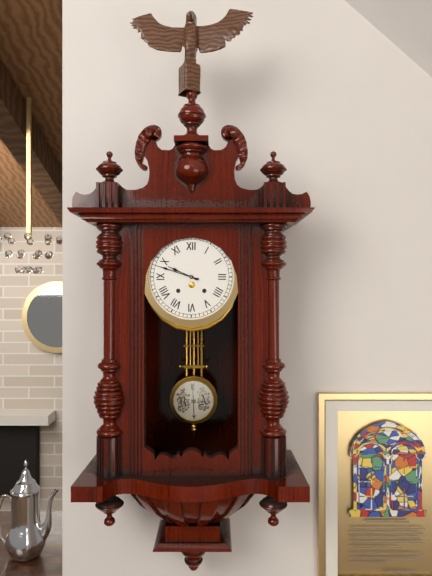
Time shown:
**9:48**
